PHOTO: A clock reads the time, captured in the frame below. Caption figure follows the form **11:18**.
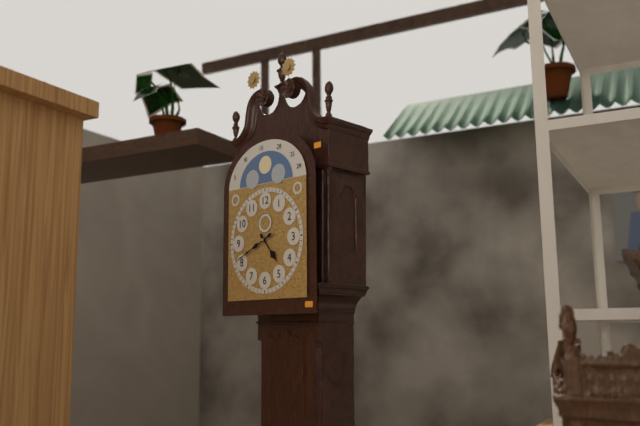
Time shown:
**4:41**
